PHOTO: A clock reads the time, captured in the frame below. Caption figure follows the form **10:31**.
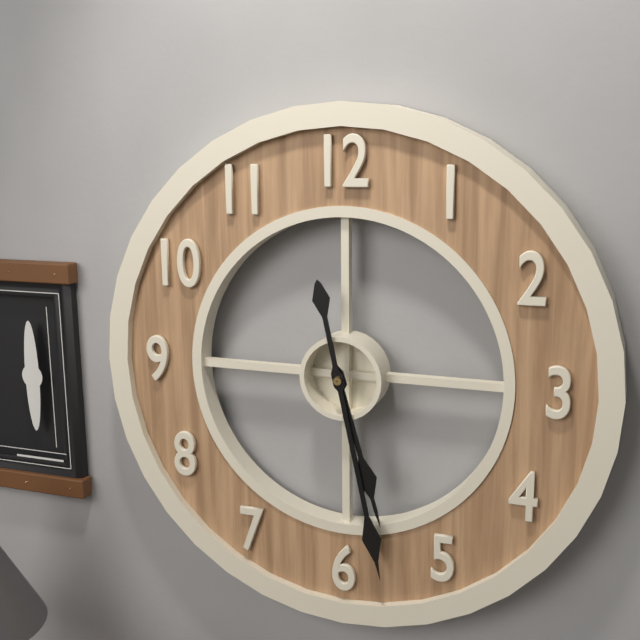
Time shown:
**5:28**
